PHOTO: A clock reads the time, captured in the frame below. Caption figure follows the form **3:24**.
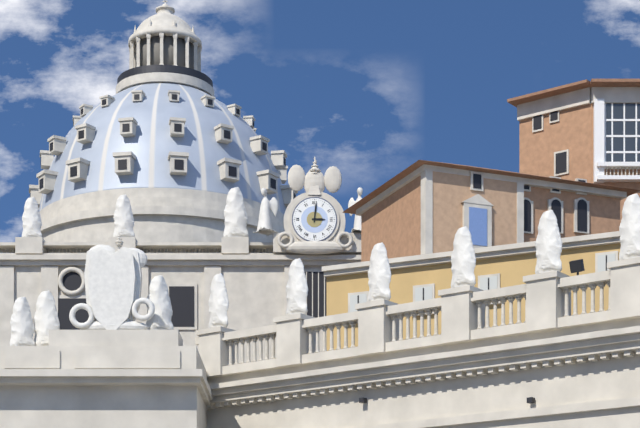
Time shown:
**3:01**
